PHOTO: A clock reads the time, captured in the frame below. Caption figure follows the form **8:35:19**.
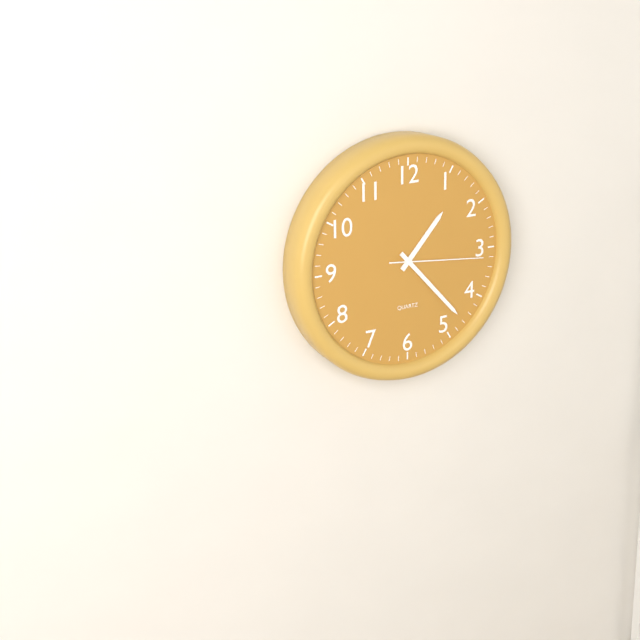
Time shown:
**1:23:16**
